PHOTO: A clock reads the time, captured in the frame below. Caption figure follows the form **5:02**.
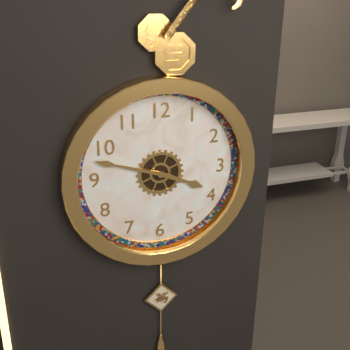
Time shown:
**3:48**
